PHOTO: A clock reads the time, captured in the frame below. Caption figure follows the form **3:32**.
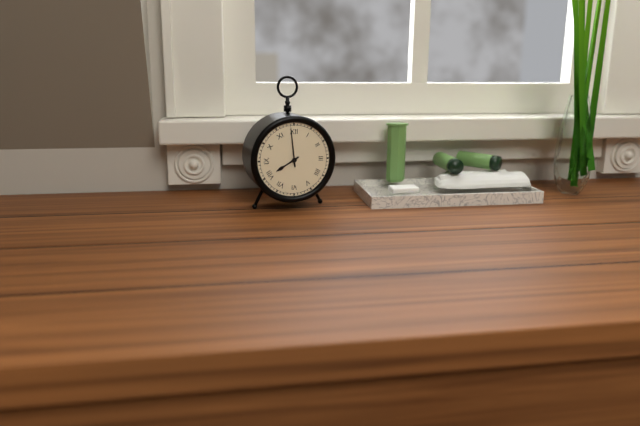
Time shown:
**7:59**
